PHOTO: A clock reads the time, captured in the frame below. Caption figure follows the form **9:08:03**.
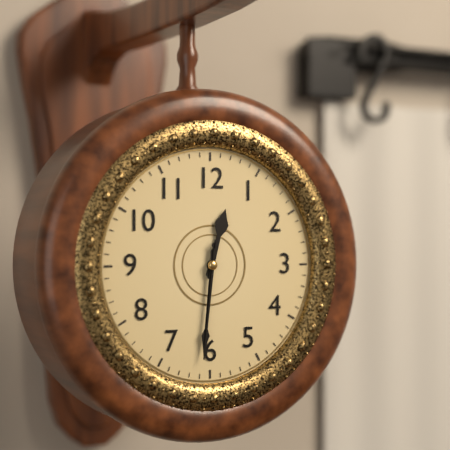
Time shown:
**12:31:31**
